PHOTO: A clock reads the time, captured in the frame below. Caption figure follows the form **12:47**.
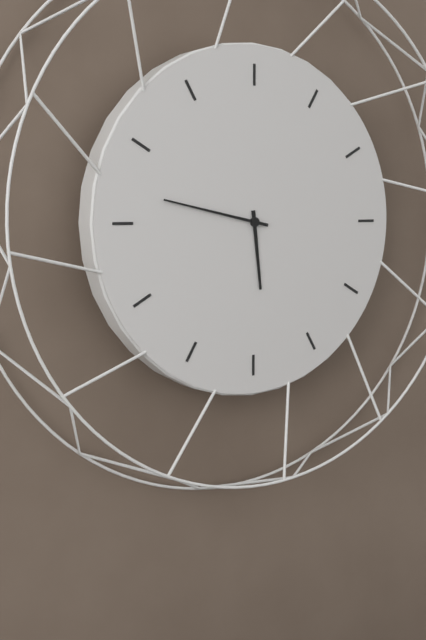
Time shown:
**5:47**
